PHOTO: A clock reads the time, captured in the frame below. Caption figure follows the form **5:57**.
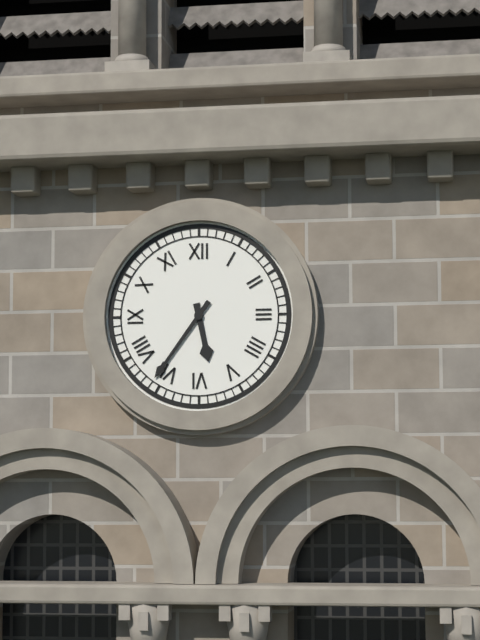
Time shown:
**5:36**
